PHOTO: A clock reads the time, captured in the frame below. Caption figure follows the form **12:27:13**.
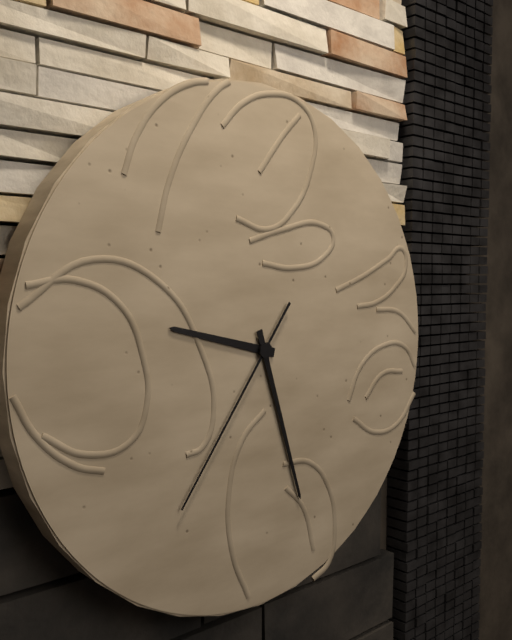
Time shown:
**9:27:36**
